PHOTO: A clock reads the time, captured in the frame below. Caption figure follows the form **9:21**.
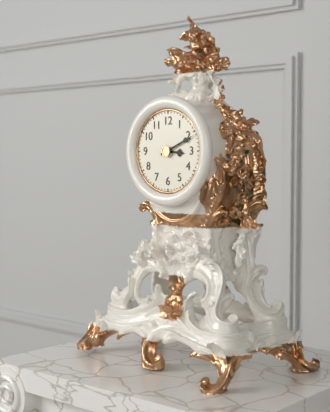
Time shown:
**3:11**
